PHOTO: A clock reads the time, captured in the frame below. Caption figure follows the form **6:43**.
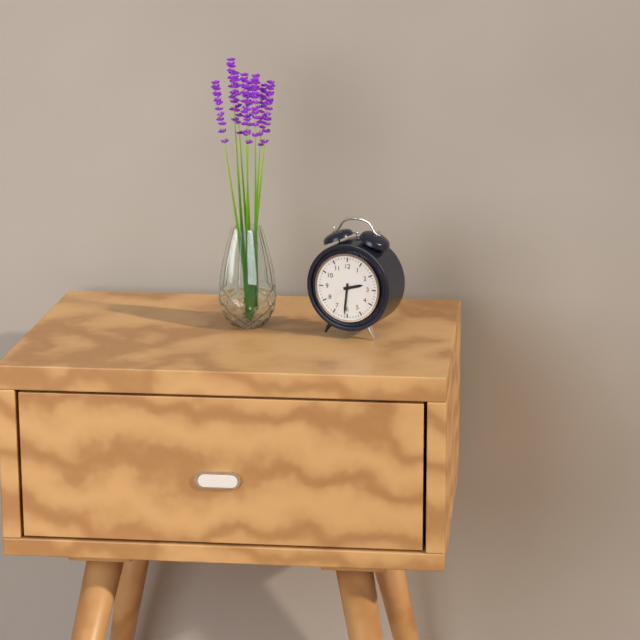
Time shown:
**2:31**
